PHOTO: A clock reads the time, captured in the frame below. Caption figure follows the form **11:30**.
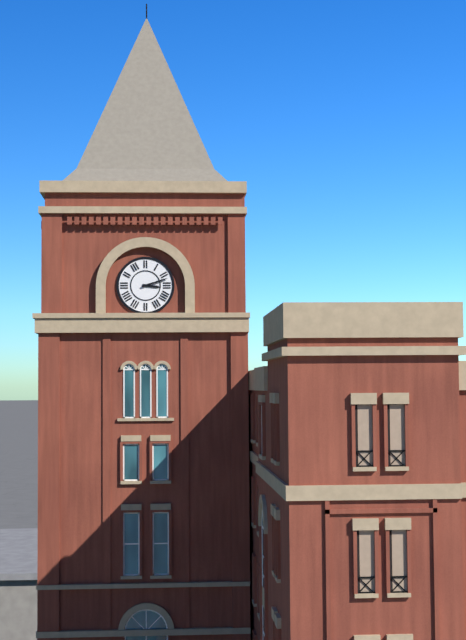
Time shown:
**3:12**
